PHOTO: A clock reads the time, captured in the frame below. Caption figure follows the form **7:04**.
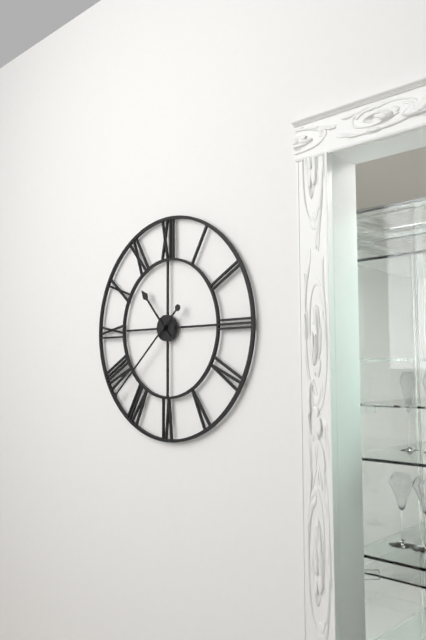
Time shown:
**10:38**
